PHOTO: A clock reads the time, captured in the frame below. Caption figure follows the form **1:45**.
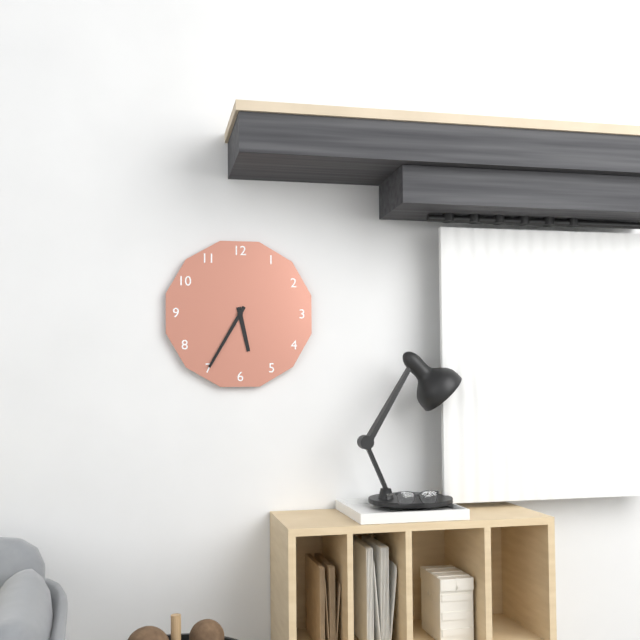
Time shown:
**5:35**
